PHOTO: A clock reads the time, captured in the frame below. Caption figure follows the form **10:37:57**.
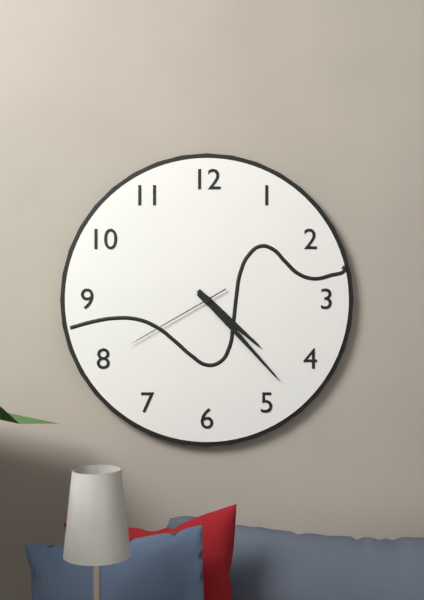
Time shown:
**4:23:40**
